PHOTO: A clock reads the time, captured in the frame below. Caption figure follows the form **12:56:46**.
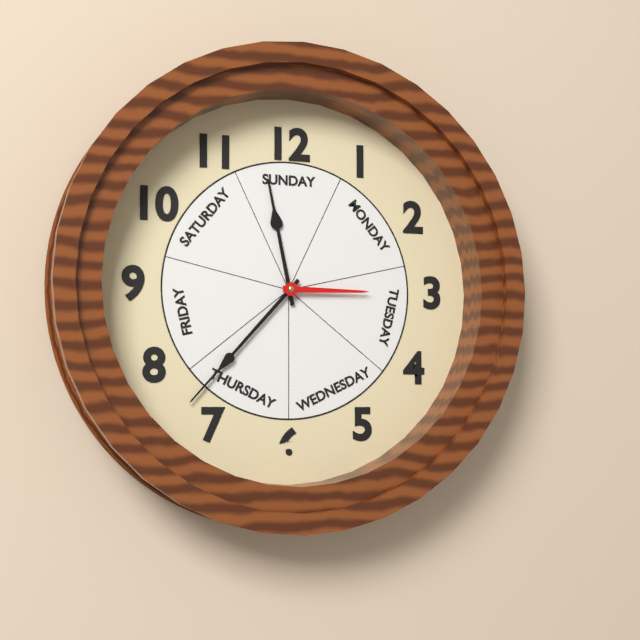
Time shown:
**11:37:15**
